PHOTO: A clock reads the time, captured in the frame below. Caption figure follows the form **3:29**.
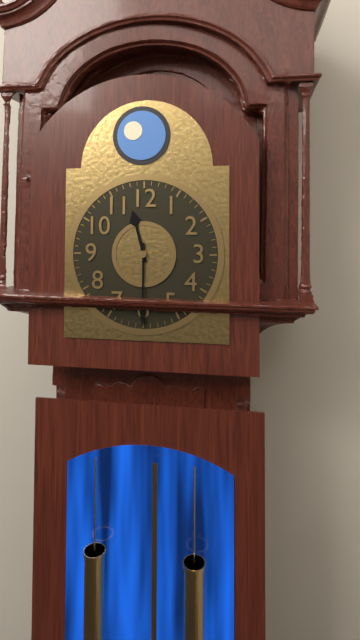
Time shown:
**11:30**
